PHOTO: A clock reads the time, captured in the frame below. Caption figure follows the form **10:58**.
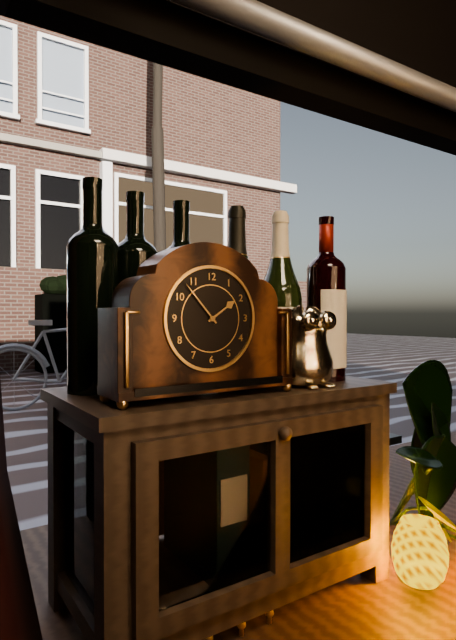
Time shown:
**1:53**
